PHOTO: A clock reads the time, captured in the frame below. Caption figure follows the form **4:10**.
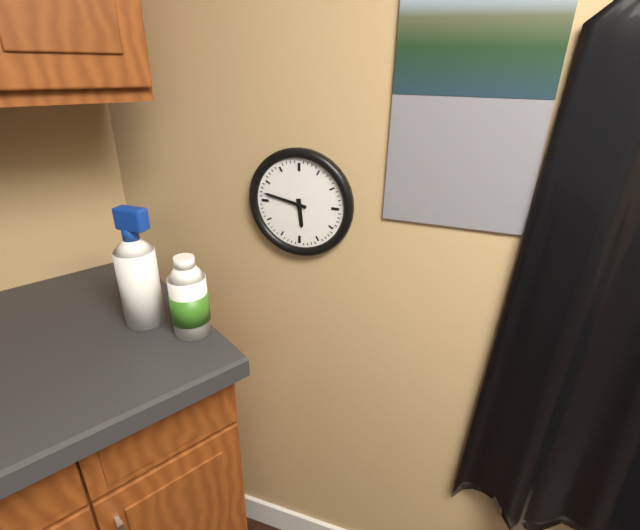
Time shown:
**5:47**
